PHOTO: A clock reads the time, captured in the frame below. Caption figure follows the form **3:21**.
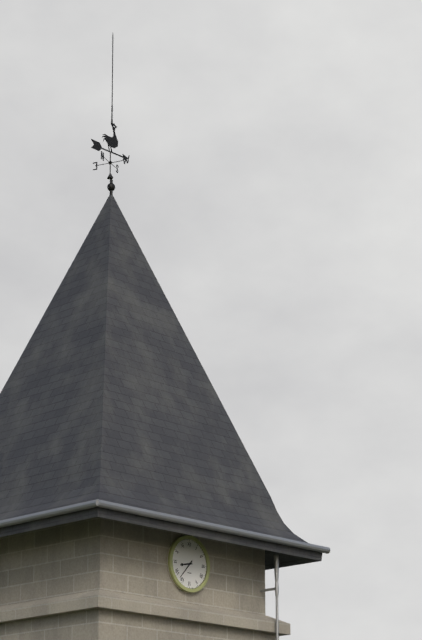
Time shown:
**8:37**
